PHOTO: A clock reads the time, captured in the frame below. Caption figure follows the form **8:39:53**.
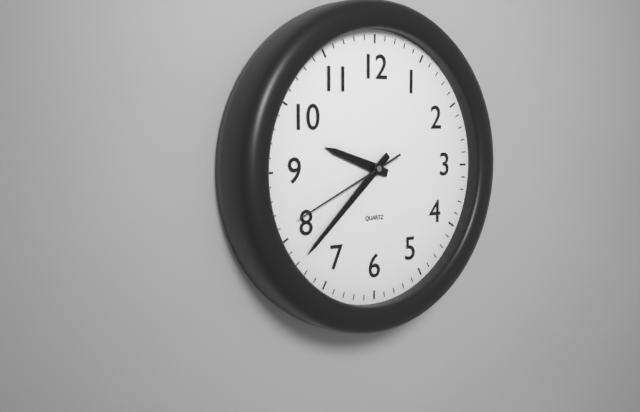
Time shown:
**9:38:41**
